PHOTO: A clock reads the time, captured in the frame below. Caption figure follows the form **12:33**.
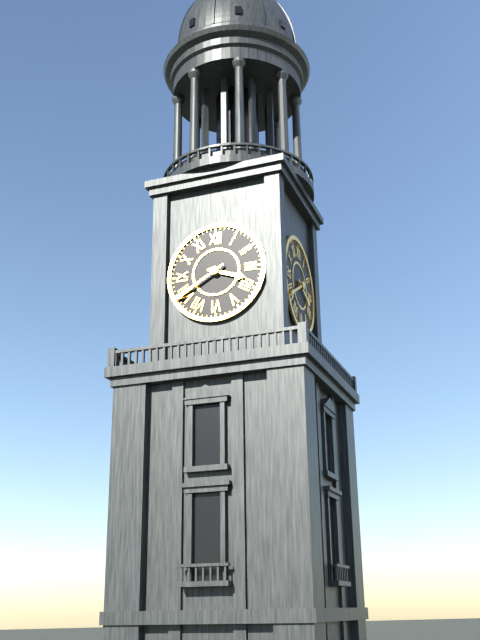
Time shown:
**3:40**
